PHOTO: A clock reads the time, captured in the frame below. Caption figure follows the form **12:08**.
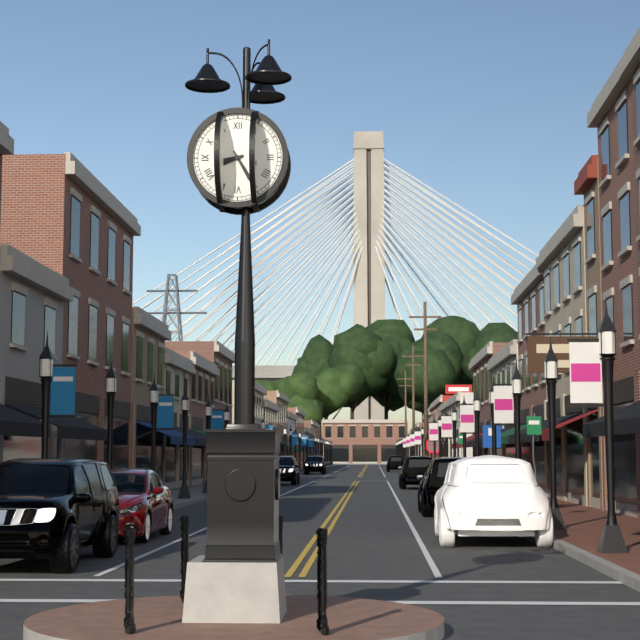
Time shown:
**8:25**
